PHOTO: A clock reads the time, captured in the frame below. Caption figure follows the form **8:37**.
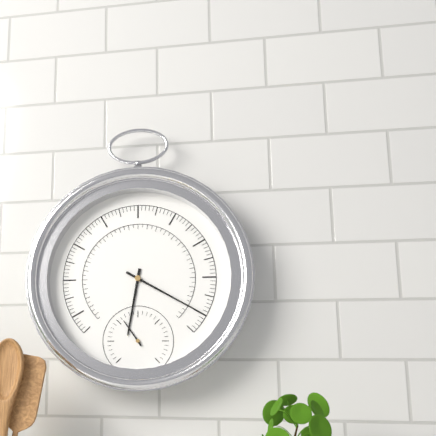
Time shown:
**6:20**
